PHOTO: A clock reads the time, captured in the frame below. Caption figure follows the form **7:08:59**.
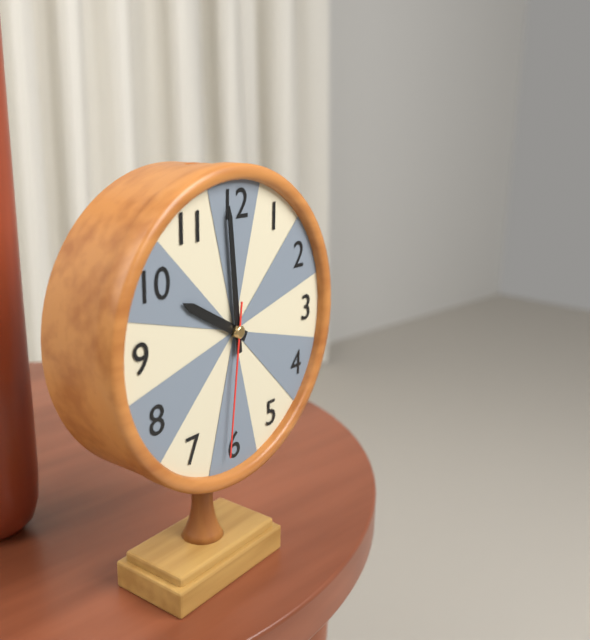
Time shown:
**9:59:31**
